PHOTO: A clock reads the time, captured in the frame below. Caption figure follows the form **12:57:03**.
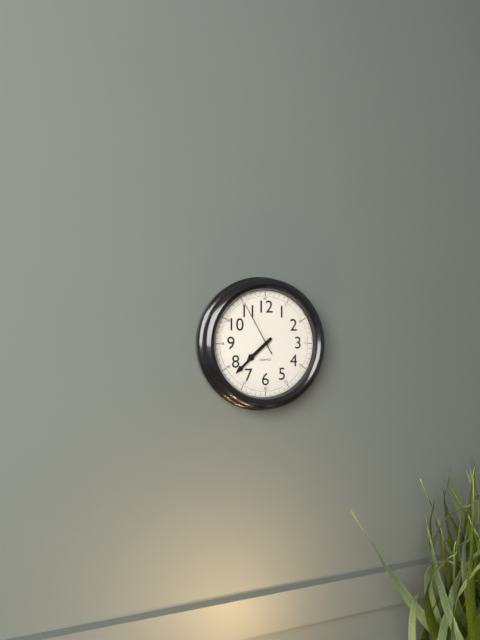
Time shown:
**7:38:55**
